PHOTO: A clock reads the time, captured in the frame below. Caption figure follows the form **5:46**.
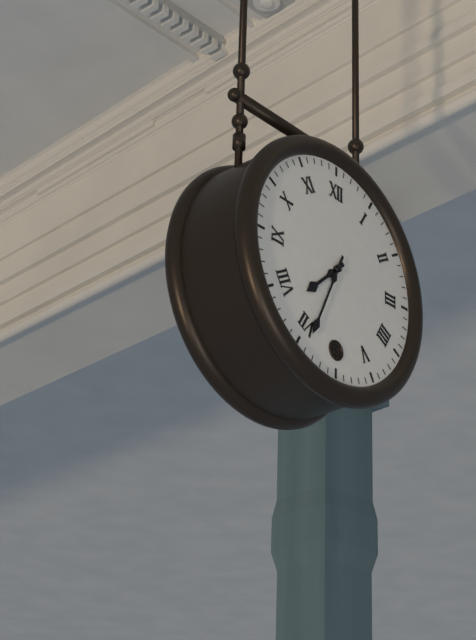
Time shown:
**7:34**
